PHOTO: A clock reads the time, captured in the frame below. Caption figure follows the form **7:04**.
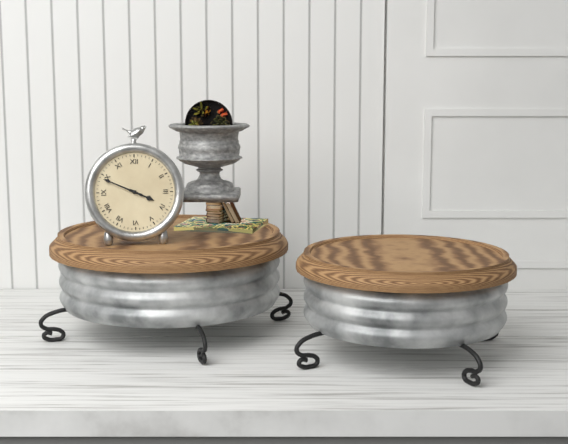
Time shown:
**3:49**
